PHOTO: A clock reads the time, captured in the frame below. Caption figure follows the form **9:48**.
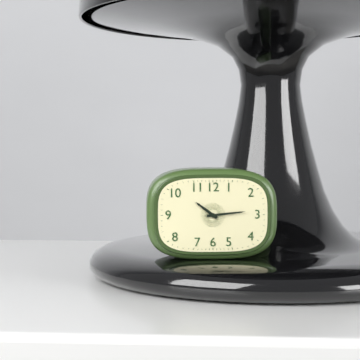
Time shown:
**10:14**
